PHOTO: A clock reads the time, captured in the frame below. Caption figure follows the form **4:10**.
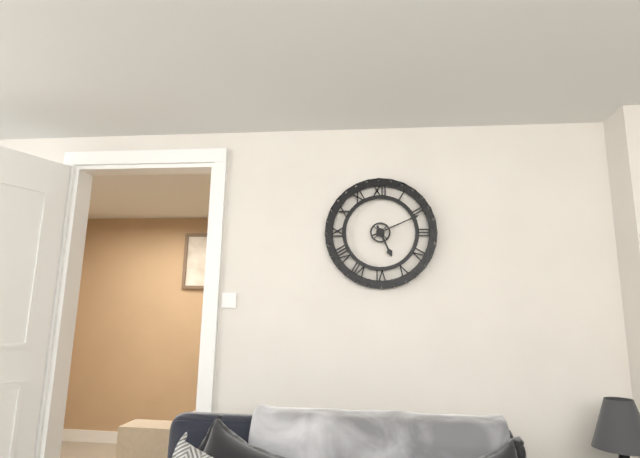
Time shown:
**5:11**
